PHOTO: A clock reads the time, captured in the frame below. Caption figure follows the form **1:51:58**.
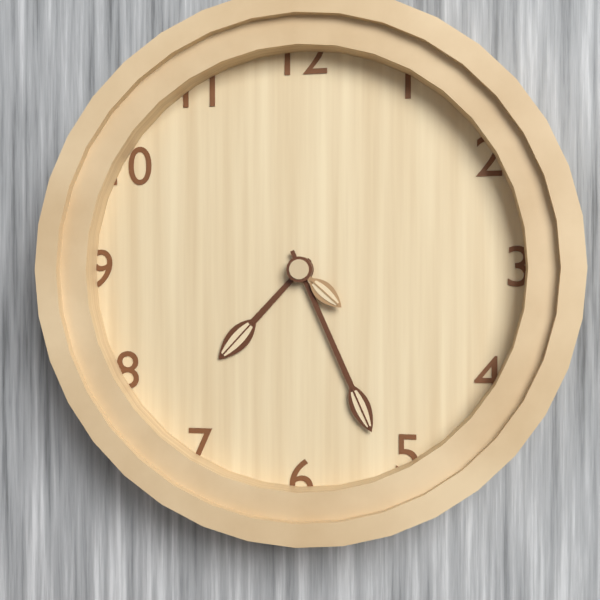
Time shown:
**7:26:22**
